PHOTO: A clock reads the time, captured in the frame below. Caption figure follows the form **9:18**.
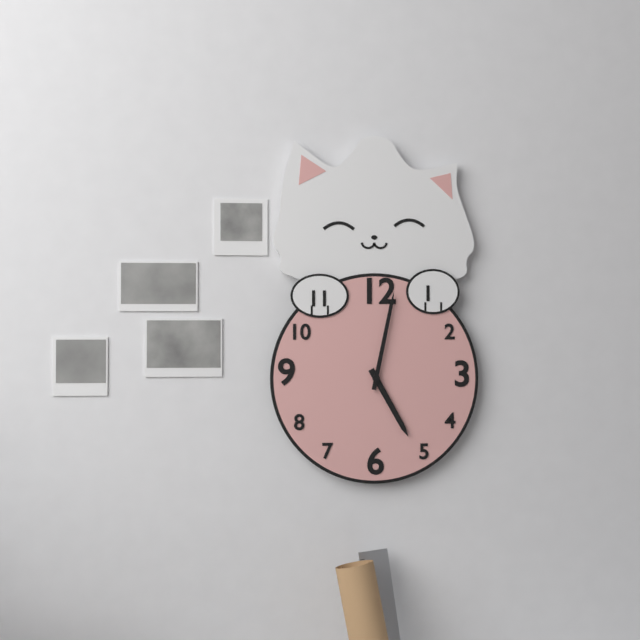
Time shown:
**5:02**
